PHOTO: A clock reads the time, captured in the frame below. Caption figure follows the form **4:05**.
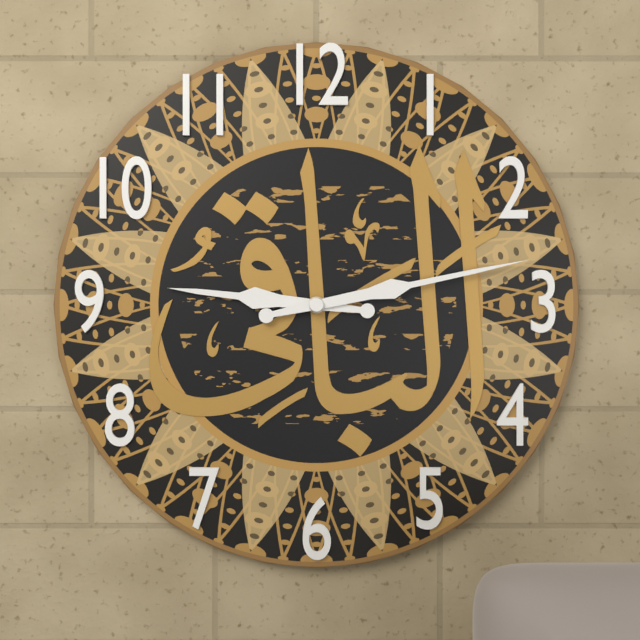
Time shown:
**9:13**
